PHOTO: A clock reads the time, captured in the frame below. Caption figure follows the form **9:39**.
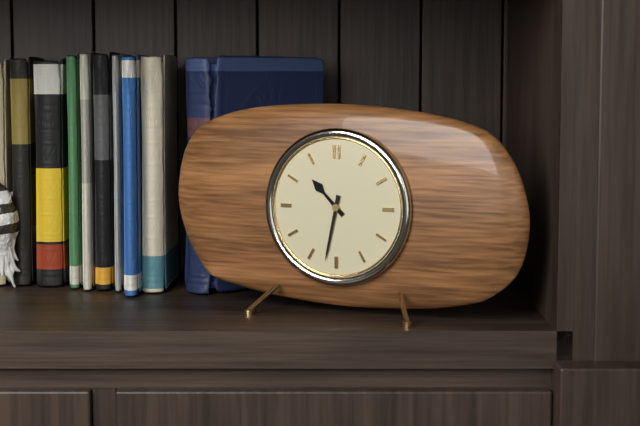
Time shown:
**10:32**
